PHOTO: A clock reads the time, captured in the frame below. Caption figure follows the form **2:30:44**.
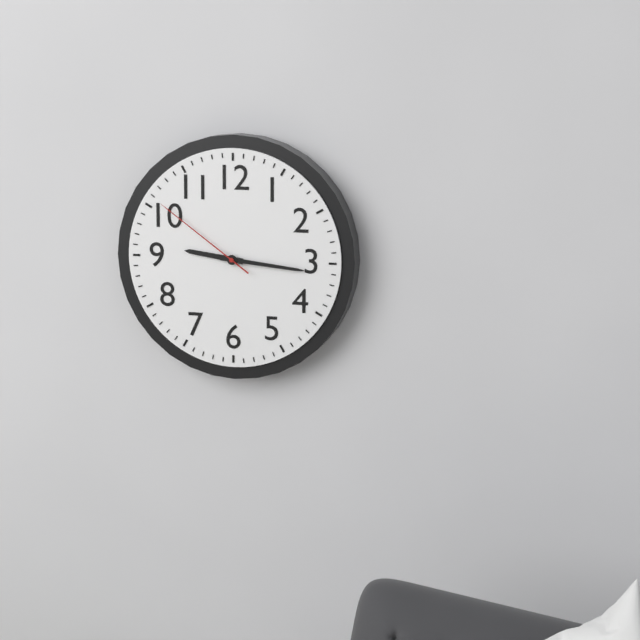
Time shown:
**9:16:51**
